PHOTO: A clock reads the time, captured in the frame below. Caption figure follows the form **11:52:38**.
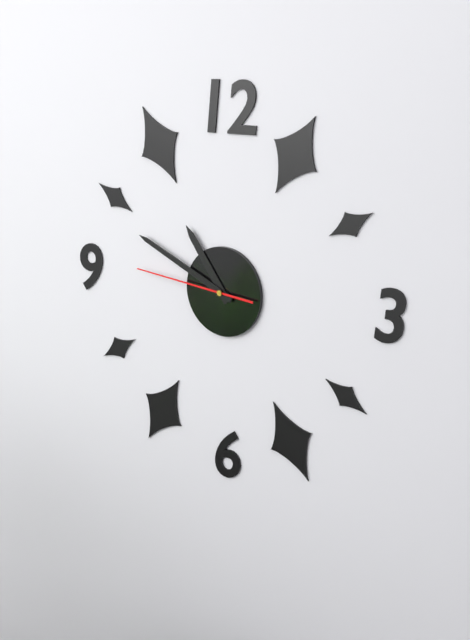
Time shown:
**10:49:46**
